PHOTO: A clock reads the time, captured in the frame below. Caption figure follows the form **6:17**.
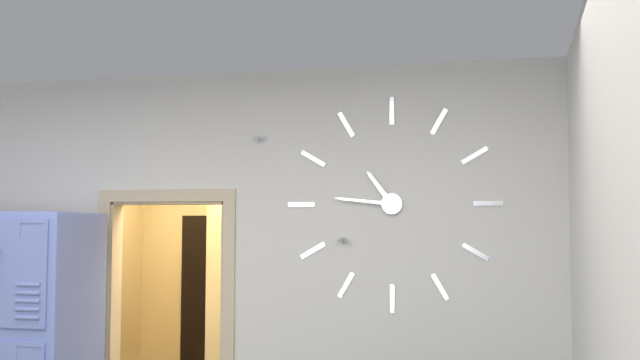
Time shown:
**10:46**
